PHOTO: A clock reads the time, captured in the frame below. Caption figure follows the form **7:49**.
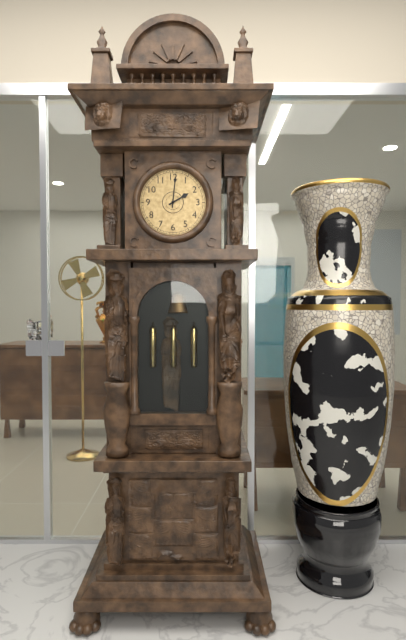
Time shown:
**2:01**
